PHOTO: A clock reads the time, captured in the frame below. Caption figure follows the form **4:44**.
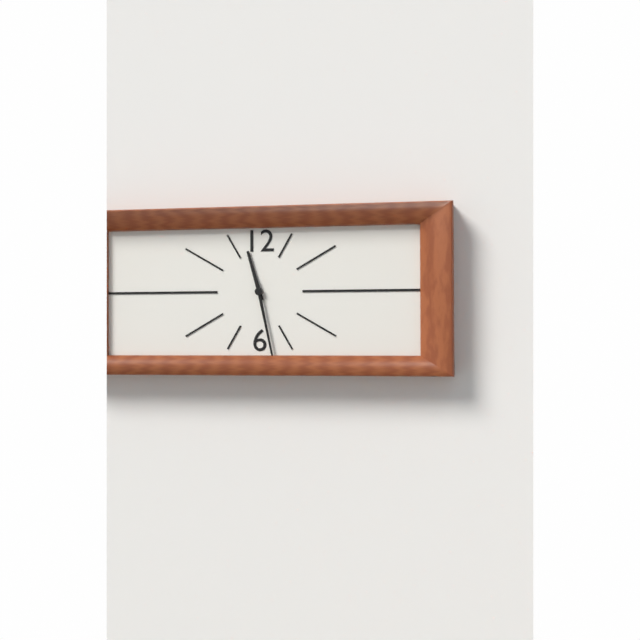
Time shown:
**11:28**
